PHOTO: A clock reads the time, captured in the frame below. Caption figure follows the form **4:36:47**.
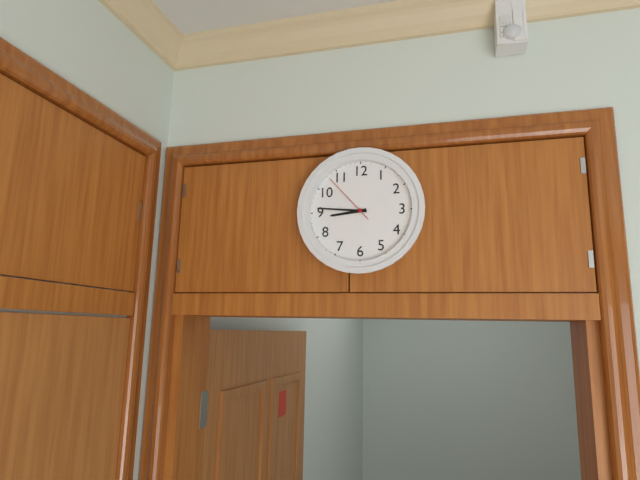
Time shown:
**8:46:53**
